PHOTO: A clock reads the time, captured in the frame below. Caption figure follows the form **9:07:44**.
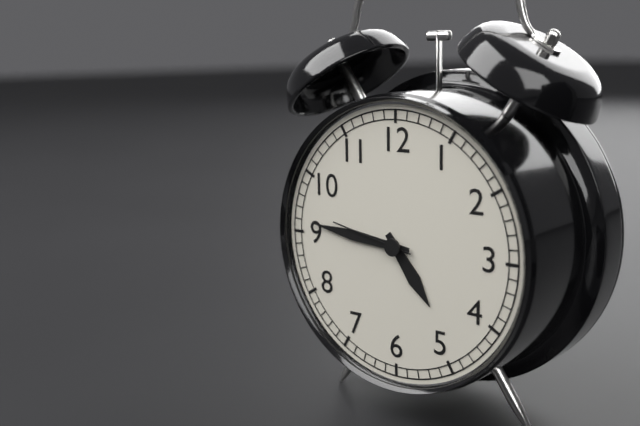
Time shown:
**4:46:47**
